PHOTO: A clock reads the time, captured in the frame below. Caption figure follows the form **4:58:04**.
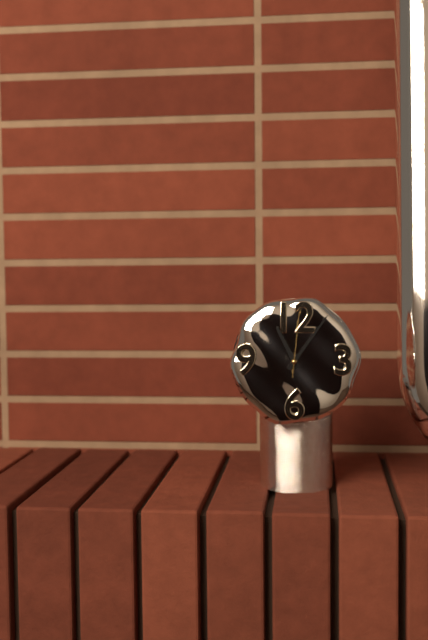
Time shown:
**11:06:01**
